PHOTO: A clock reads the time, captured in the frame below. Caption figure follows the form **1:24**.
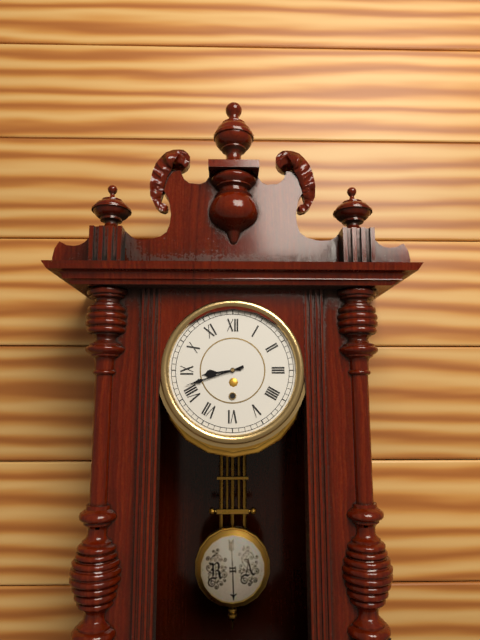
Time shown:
**8:42**
